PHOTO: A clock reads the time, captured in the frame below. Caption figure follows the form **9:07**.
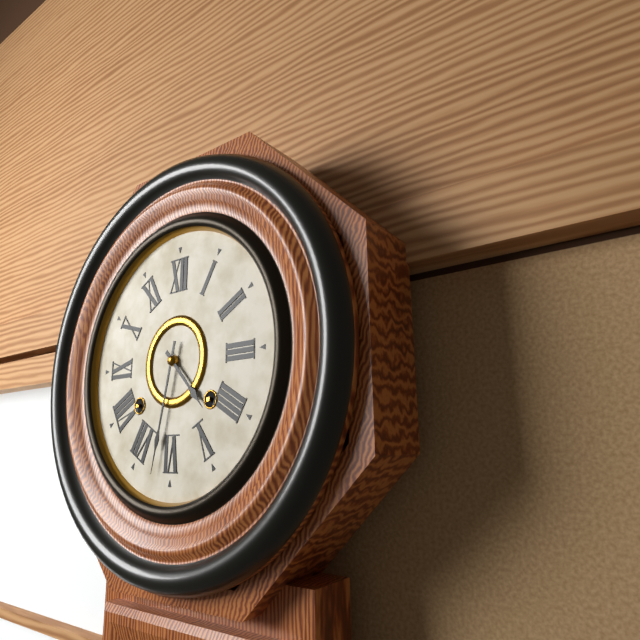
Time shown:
**4:32**
